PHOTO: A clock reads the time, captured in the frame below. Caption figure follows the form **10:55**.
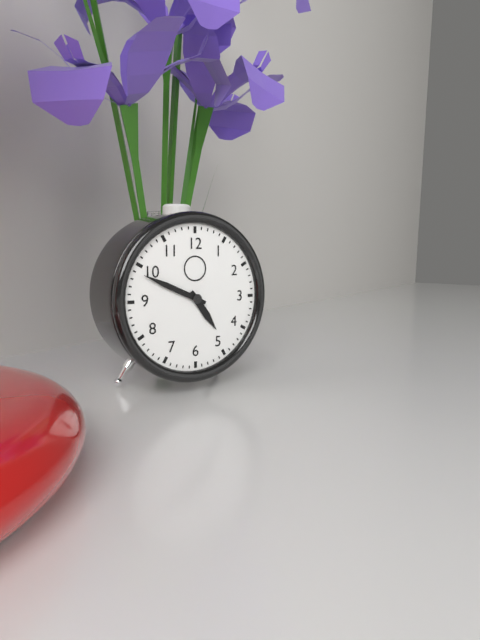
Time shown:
**4:49**
